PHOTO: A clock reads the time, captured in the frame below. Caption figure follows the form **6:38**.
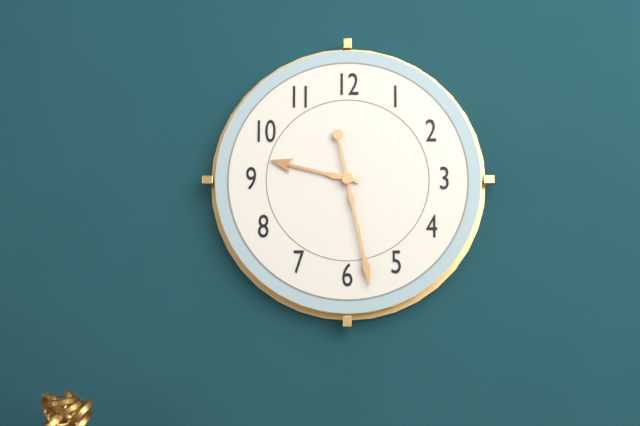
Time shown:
**9:28**
